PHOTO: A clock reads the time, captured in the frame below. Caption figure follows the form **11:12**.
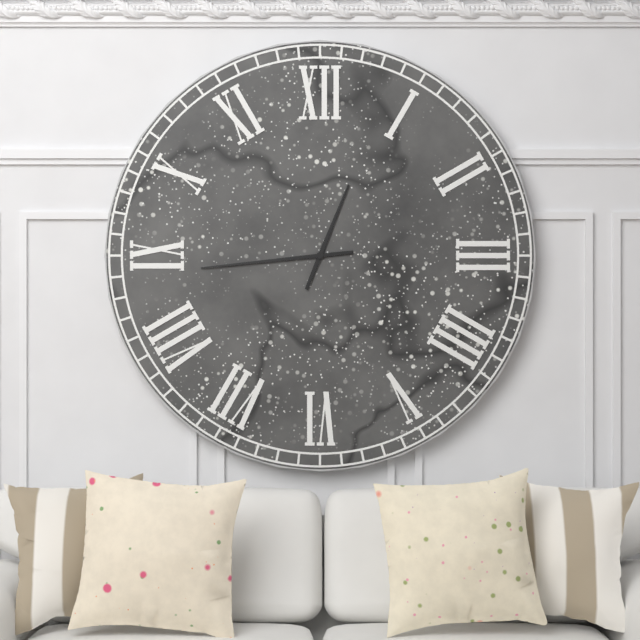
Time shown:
**12:44**
